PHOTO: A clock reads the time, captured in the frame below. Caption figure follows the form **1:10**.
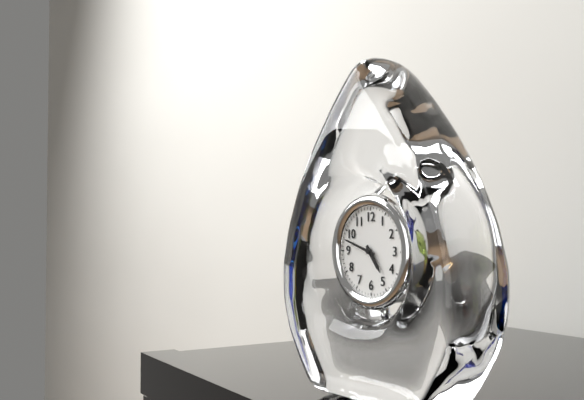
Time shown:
**4:48**
